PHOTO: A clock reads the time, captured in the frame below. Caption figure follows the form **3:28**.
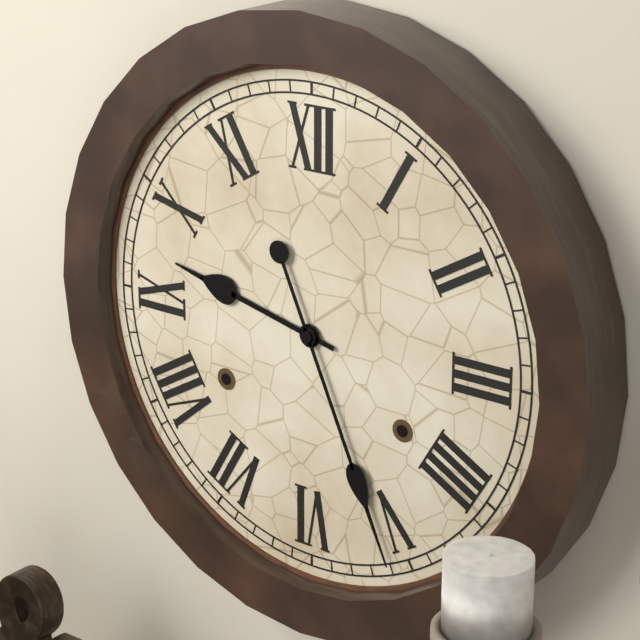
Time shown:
**9:26**
